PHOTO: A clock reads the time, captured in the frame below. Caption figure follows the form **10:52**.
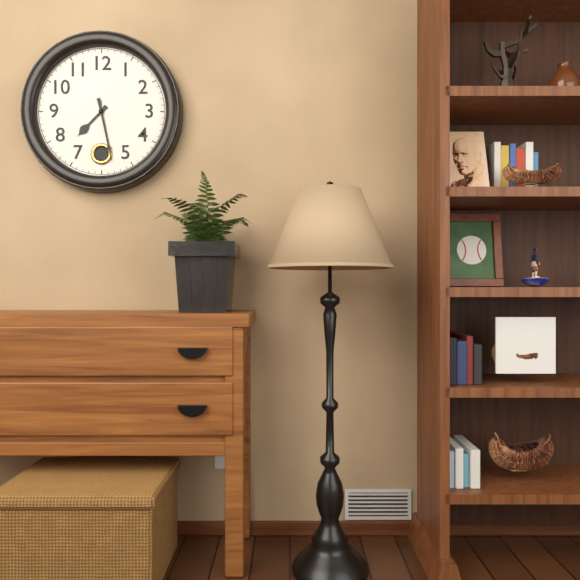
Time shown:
**7:28**
